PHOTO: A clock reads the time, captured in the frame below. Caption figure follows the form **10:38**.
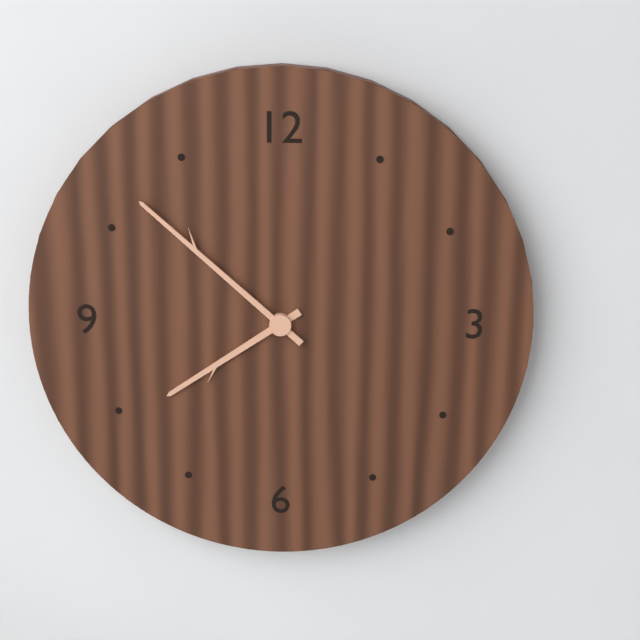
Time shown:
**7:52**
